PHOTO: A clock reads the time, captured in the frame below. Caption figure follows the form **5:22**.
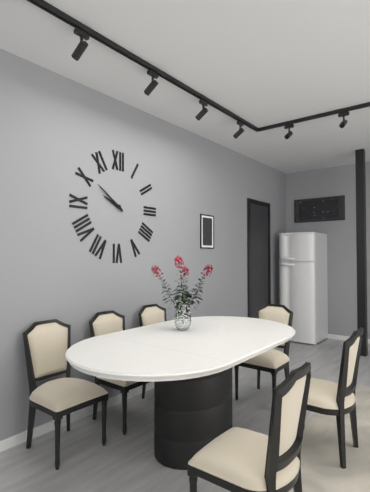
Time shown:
**9:51**
